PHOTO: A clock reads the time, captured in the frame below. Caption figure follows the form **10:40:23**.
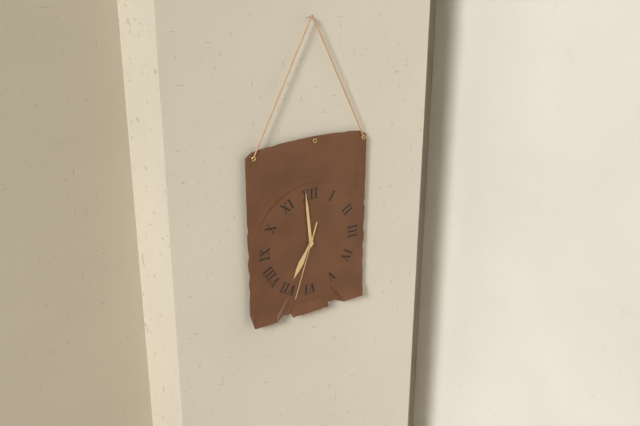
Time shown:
**6:59:33**
